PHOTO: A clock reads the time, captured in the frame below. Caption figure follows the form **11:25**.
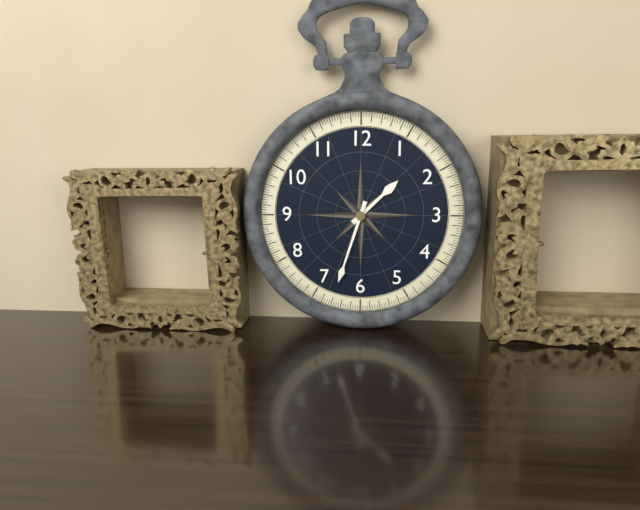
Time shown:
**1:33**
